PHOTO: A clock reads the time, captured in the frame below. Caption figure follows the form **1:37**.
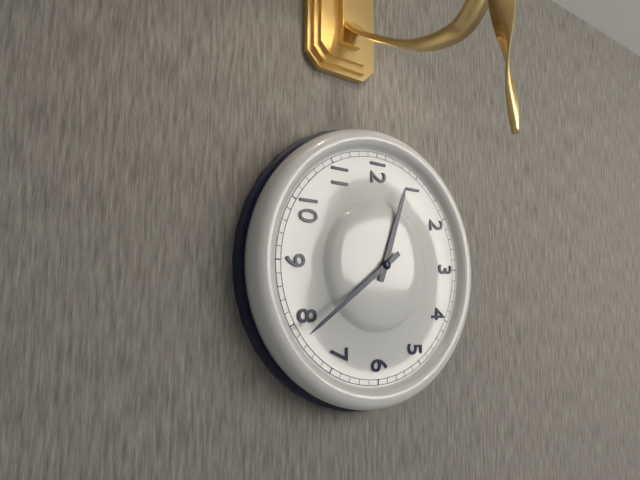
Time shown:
**12:39**
